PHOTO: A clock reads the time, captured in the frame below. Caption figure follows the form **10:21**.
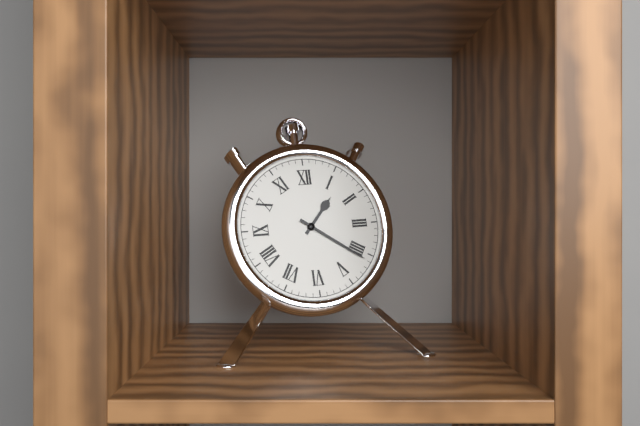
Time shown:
**1:21**
